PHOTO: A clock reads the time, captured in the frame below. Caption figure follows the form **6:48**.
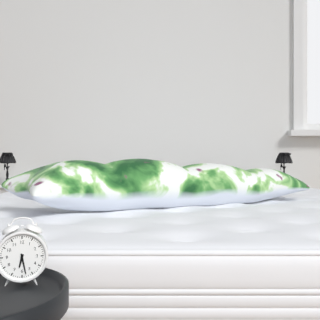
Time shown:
**6:28**
